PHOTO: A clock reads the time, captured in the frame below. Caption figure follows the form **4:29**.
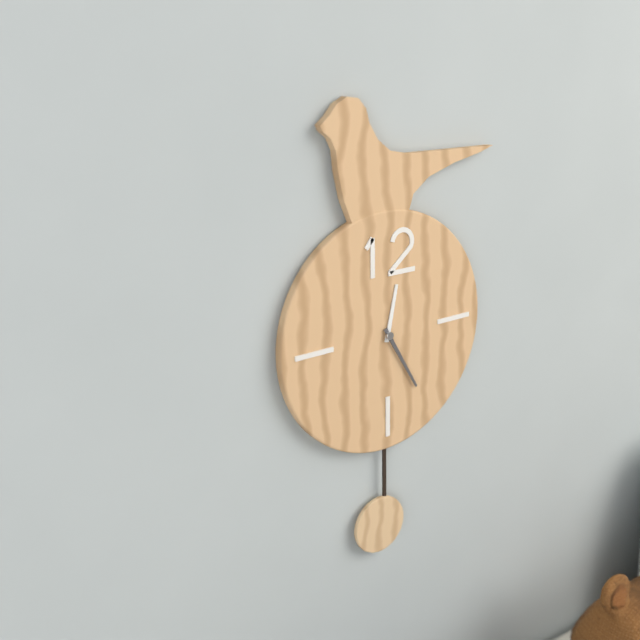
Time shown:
**12:25**
